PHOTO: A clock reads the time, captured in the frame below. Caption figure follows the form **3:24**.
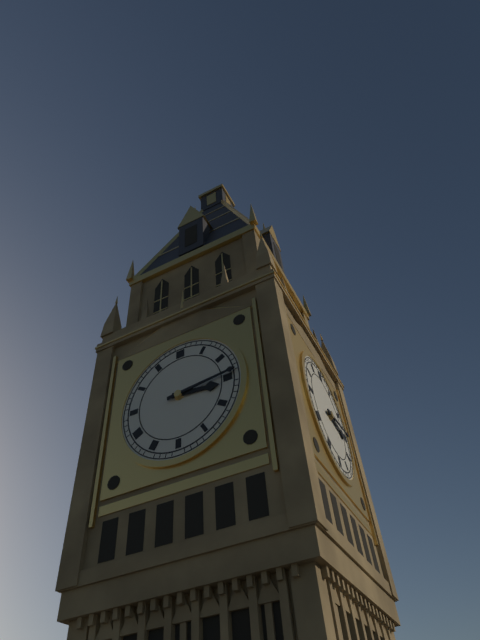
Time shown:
**3:14**
